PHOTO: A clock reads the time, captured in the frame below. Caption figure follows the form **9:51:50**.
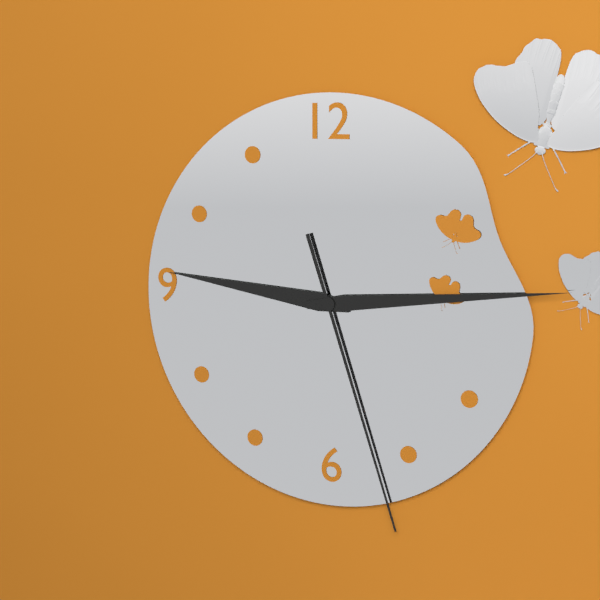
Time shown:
**9:14:27**
